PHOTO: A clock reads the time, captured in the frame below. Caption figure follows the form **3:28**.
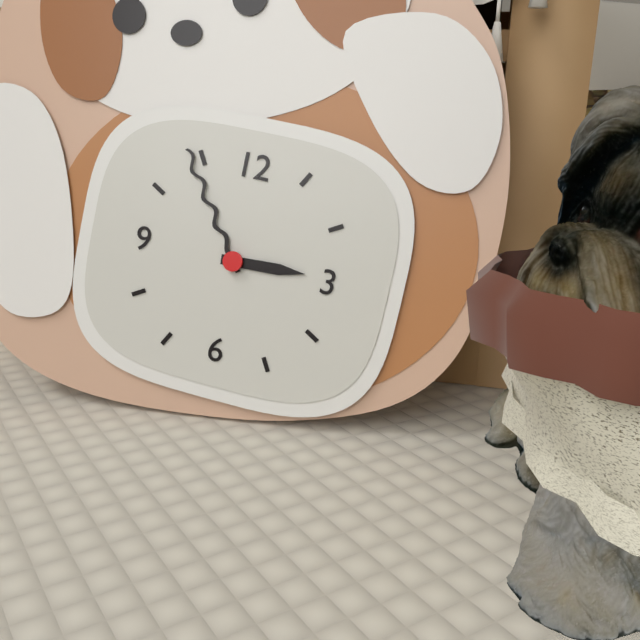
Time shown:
**2:54**
